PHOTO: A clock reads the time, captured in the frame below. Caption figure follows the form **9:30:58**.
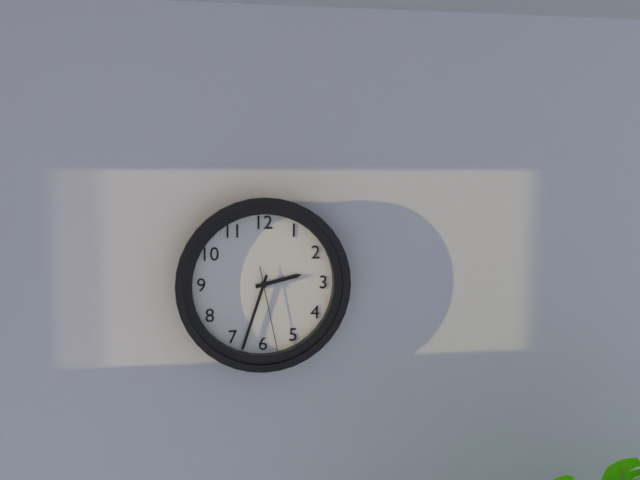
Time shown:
**2:33:28**
